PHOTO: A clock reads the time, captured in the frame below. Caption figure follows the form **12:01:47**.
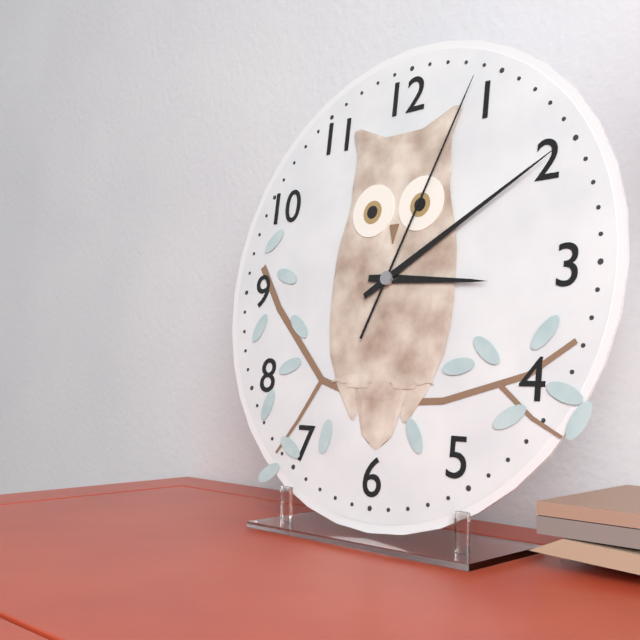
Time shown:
**3:10:04**
